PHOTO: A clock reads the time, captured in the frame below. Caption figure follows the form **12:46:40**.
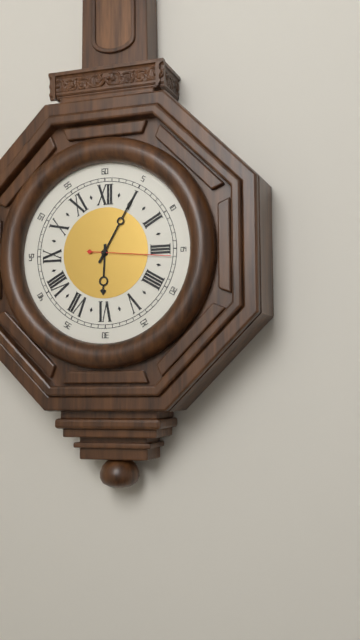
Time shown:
**6:05:16**
